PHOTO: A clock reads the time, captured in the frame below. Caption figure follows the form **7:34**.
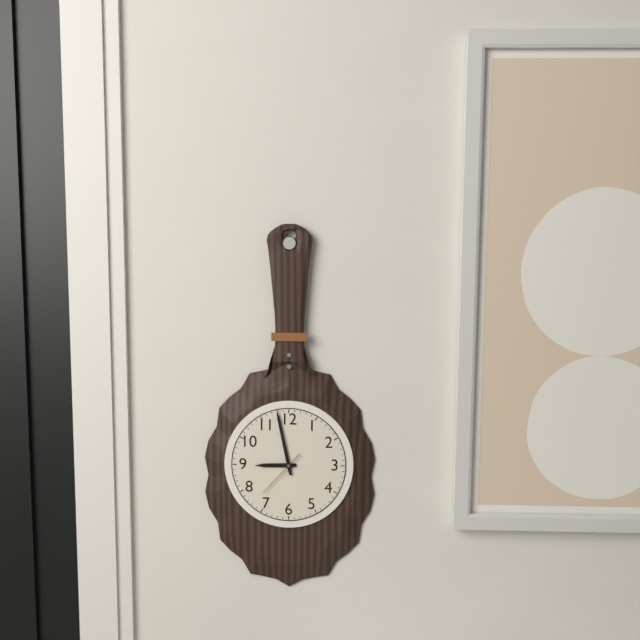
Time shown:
**8:58**
